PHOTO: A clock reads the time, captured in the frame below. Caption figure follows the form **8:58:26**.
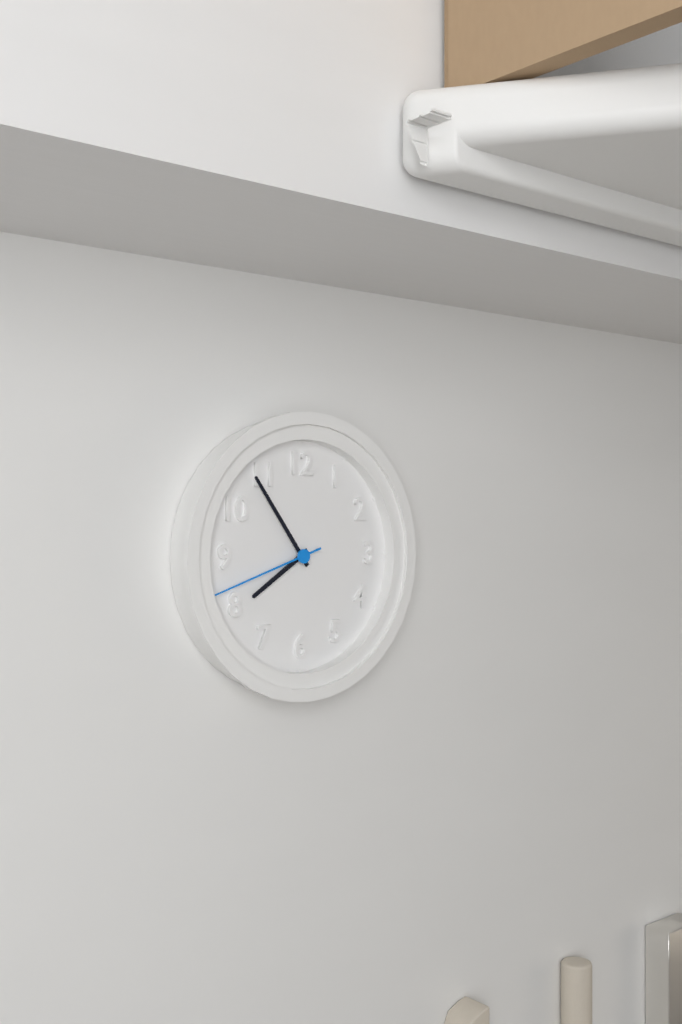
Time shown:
**7:54:42**
